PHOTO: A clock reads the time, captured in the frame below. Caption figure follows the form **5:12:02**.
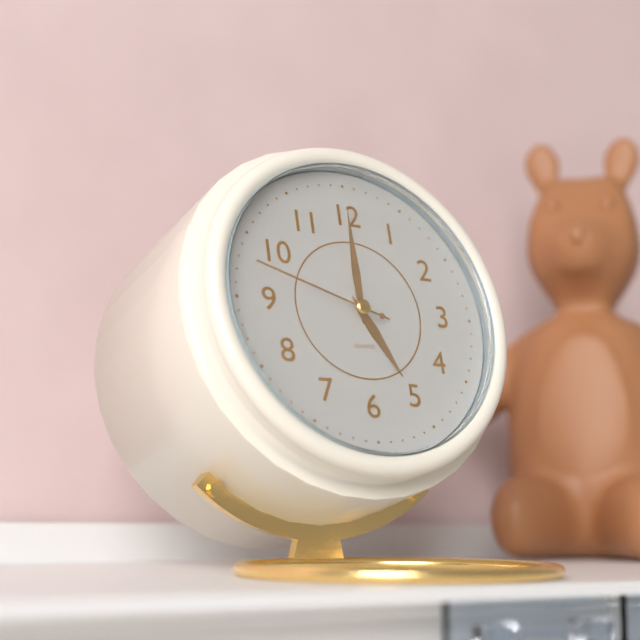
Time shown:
**5:00:48**
